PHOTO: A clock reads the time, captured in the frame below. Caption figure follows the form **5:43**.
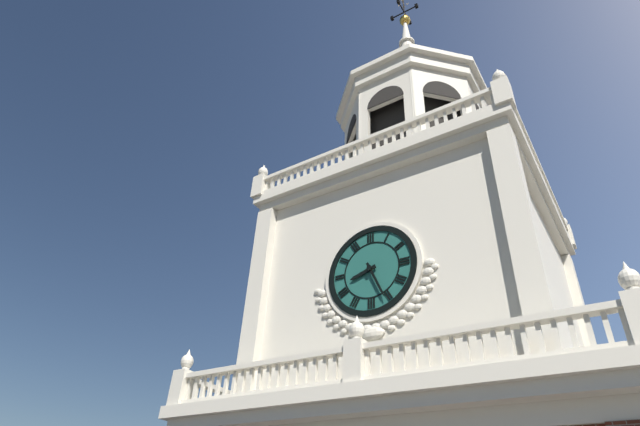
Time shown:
**8:26**
